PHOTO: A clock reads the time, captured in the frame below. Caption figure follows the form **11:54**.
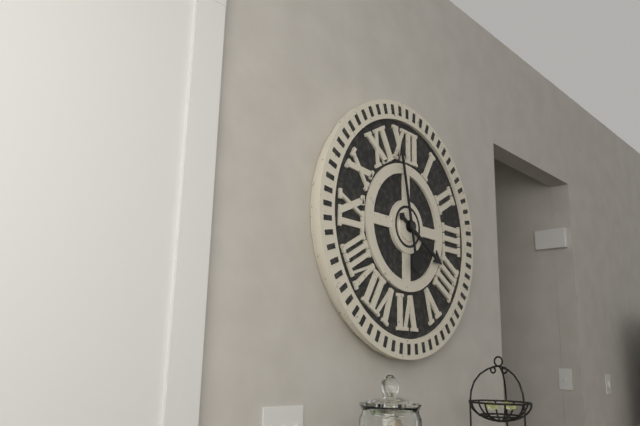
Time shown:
**3:58**
